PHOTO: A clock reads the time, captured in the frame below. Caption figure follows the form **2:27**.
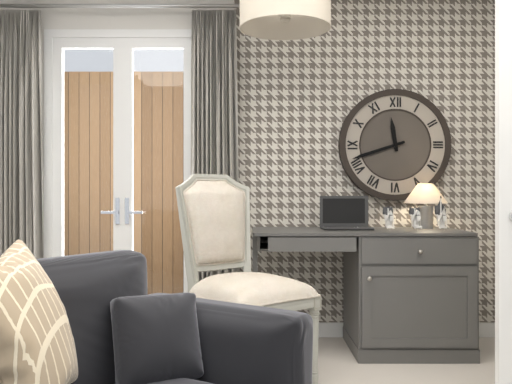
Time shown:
**11:42**
